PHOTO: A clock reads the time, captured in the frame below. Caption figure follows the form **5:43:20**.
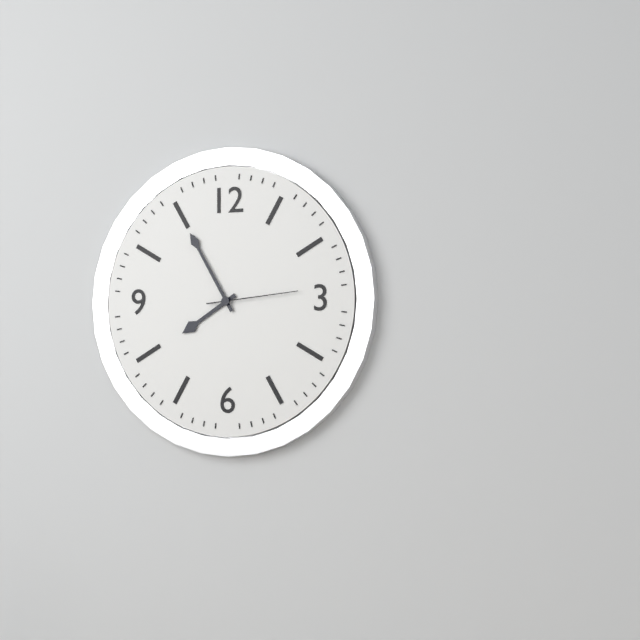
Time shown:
**7:55:14**
